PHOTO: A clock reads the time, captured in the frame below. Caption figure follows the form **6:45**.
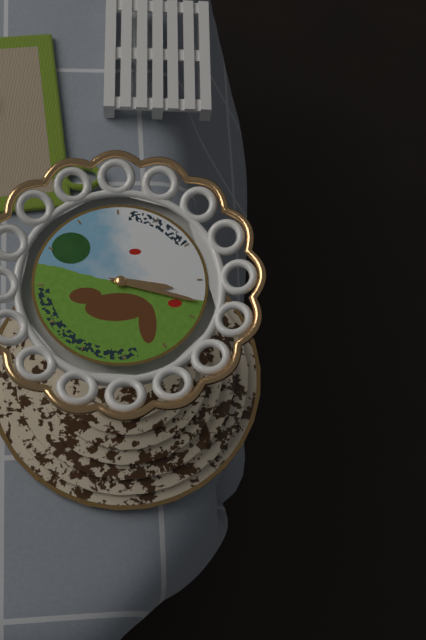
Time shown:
**3:18**
